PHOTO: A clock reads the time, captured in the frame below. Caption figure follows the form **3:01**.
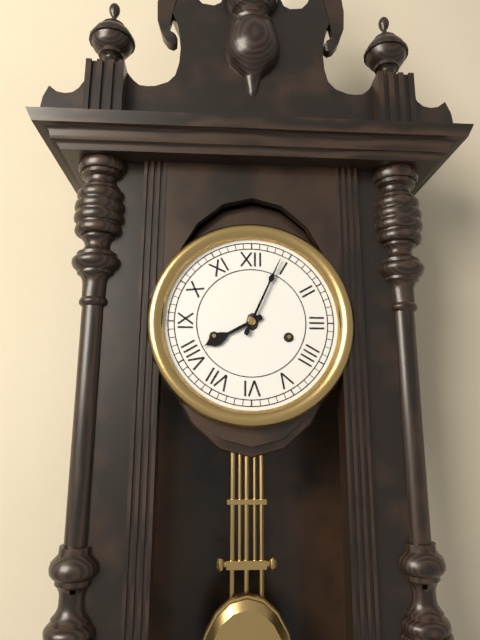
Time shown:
**8:04**
